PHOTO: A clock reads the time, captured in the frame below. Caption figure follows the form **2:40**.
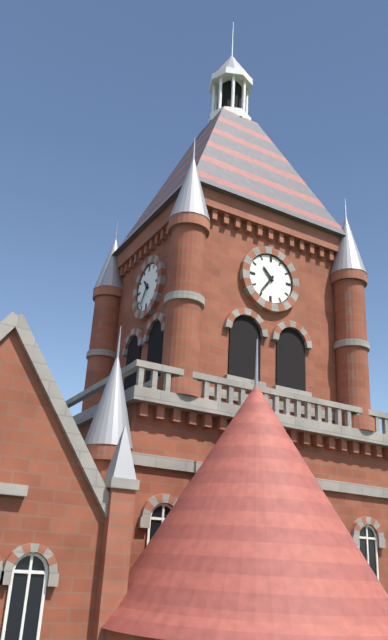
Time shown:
**10:36**
